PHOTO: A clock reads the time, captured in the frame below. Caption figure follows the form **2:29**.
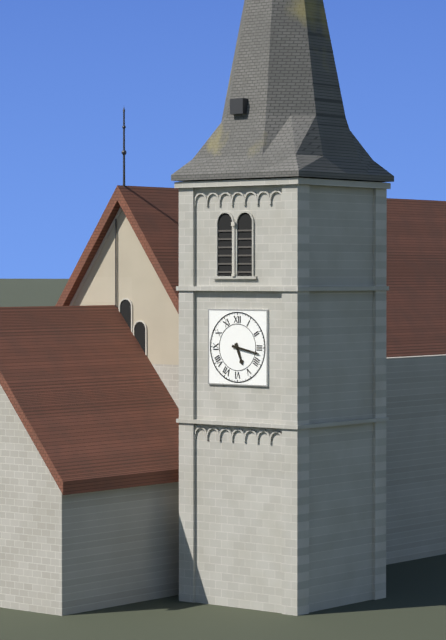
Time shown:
**5:17**
